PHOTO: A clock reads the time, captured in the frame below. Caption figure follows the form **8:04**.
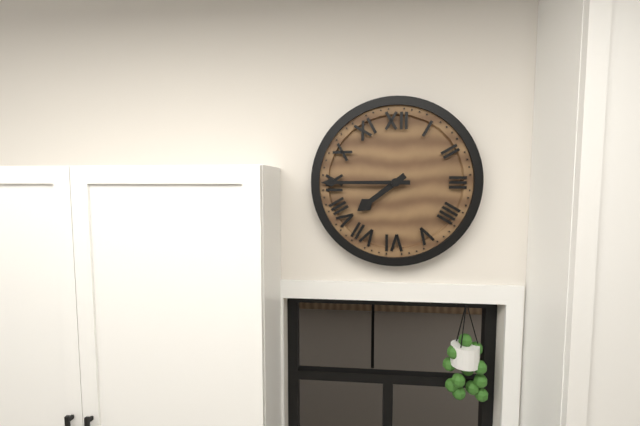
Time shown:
**7:45**
